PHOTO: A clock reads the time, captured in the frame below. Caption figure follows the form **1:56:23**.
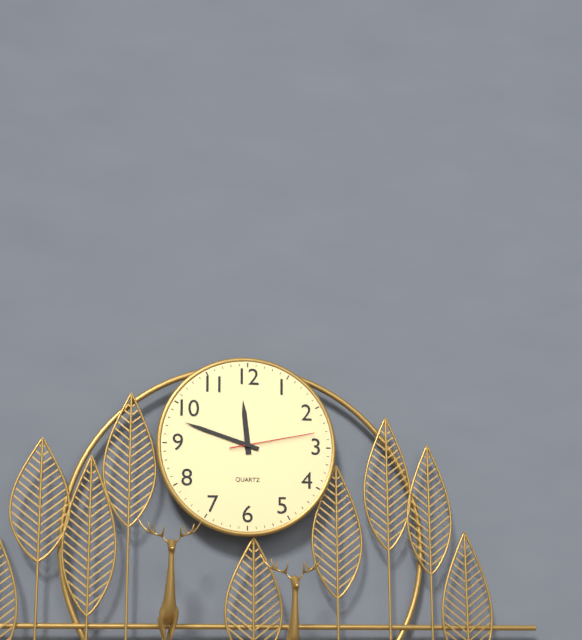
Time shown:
**11:48:13**
